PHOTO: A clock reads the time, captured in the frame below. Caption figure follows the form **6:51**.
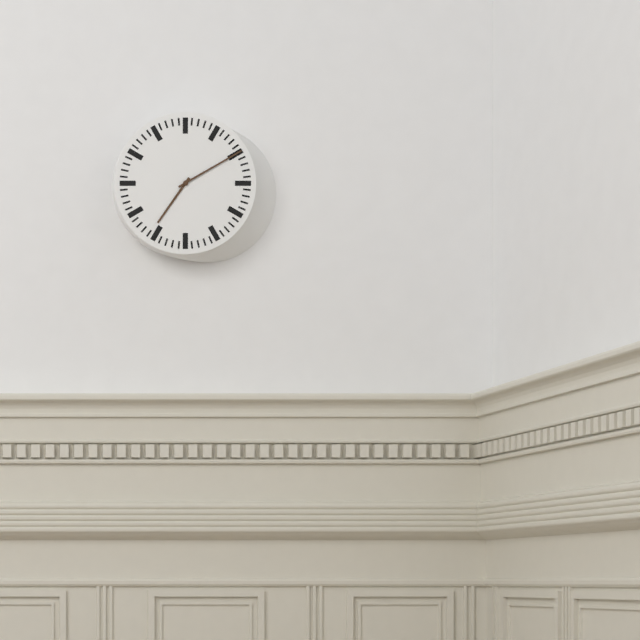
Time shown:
**7:10**
